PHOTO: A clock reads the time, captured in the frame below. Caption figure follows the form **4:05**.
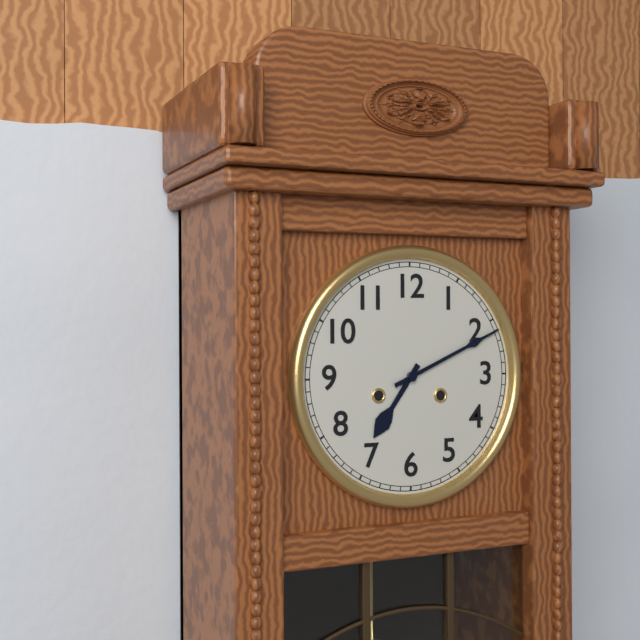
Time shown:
**7:11**
